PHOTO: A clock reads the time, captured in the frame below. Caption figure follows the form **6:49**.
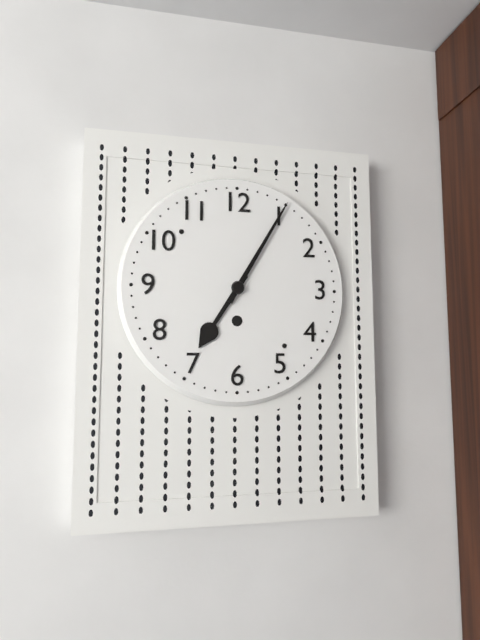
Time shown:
**7:05**
